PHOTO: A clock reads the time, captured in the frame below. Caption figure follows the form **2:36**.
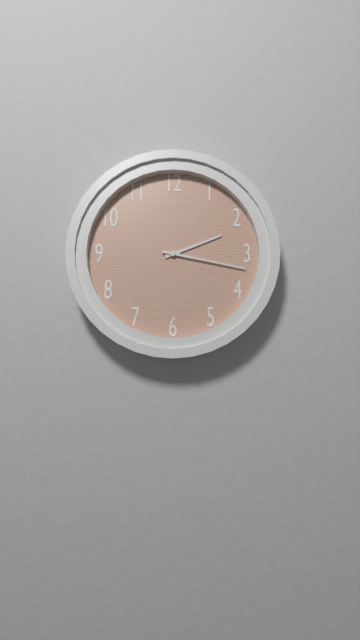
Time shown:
**2:17**
